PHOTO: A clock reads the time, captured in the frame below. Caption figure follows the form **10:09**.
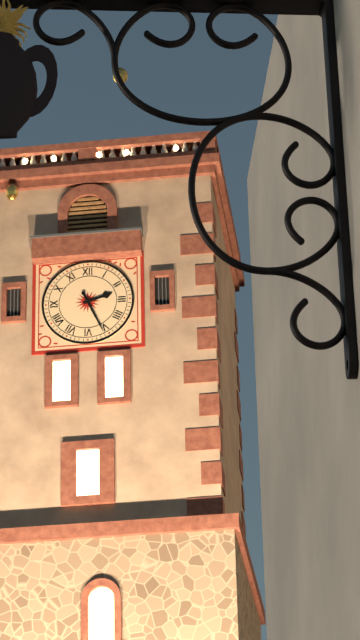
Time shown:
**2:26**
